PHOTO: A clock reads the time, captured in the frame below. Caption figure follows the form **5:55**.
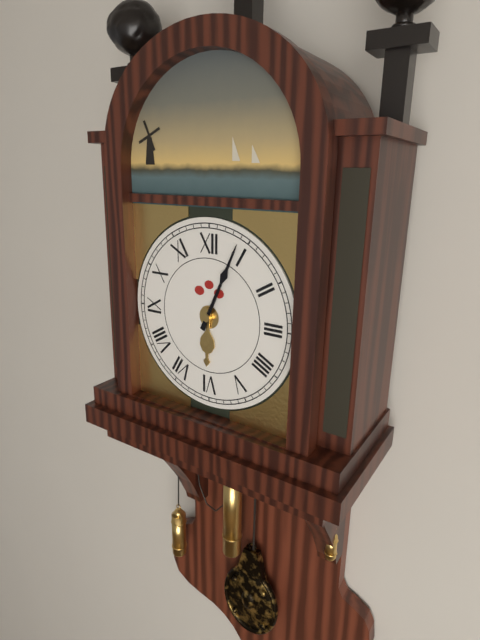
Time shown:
**6:04**
